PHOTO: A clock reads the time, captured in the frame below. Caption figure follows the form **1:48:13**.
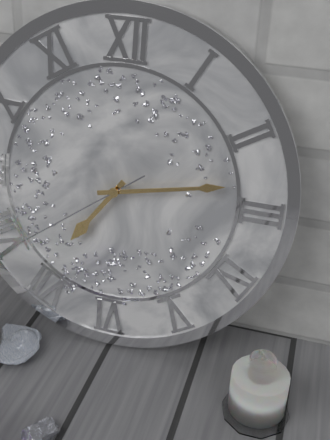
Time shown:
**7:13:39**
